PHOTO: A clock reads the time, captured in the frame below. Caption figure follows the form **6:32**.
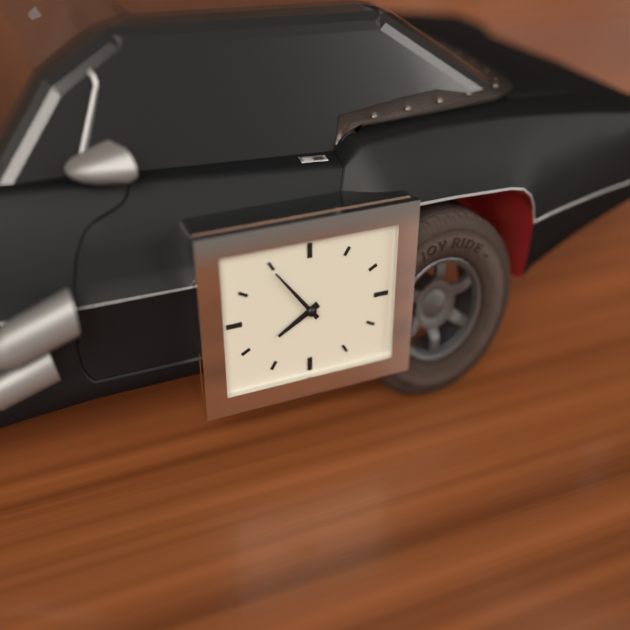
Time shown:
**7:54**
